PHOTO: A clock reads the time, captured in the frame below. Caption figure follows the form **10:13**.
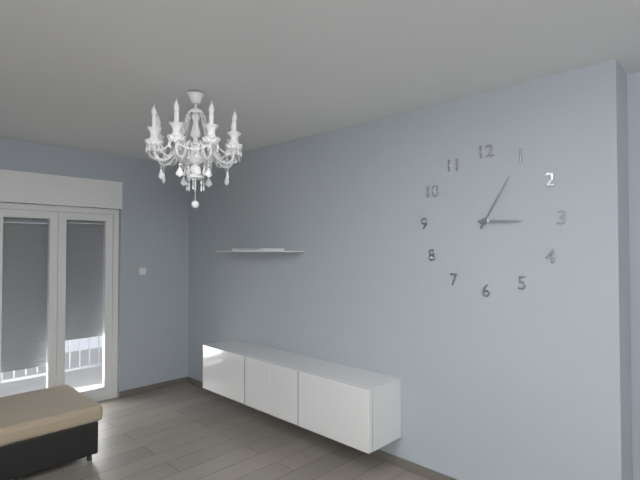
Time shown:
**3:05**
